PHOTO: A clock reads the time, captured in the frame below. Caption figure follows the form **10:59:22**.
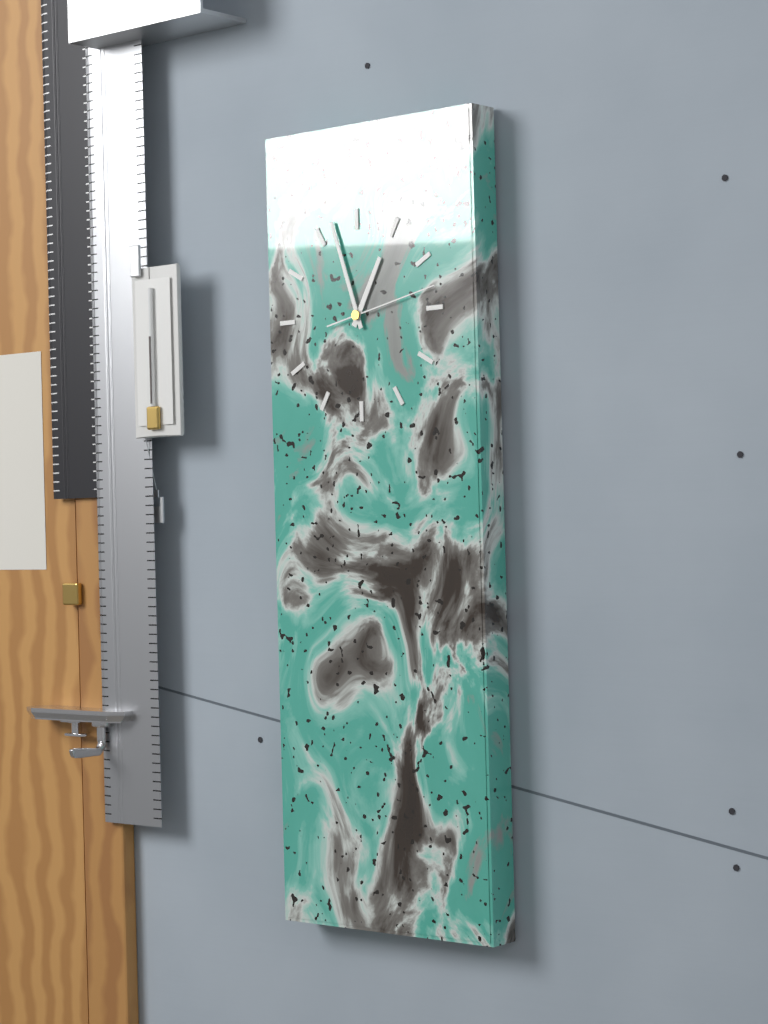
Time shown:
**12:57:13**
